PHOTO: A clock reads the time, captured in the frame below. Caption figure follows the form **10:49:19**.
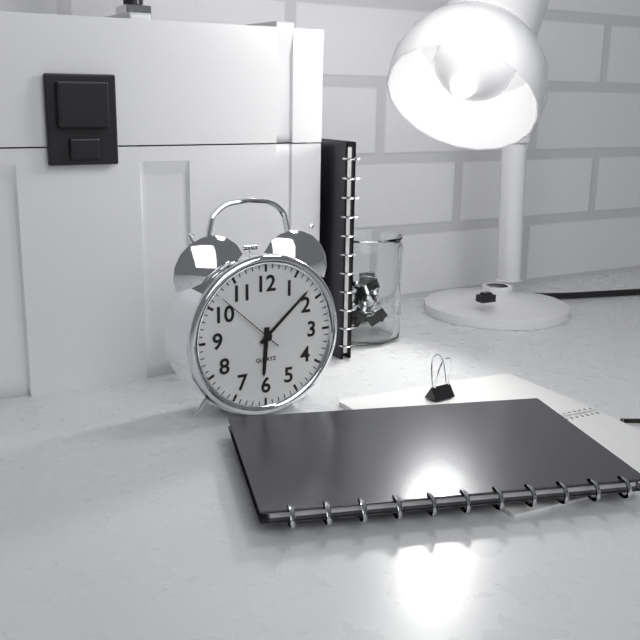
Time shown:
**6:08:52**
